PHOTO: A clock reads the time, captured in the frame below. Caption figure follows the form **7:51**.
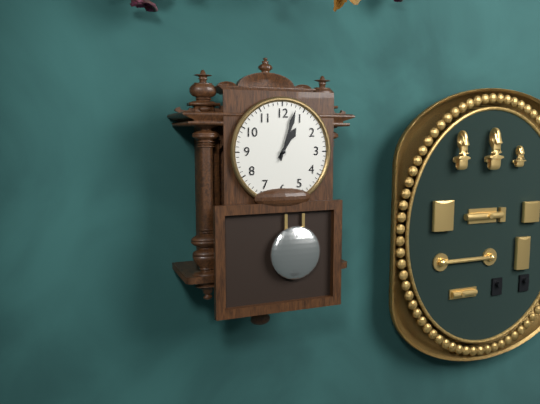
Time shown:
**1:03**
